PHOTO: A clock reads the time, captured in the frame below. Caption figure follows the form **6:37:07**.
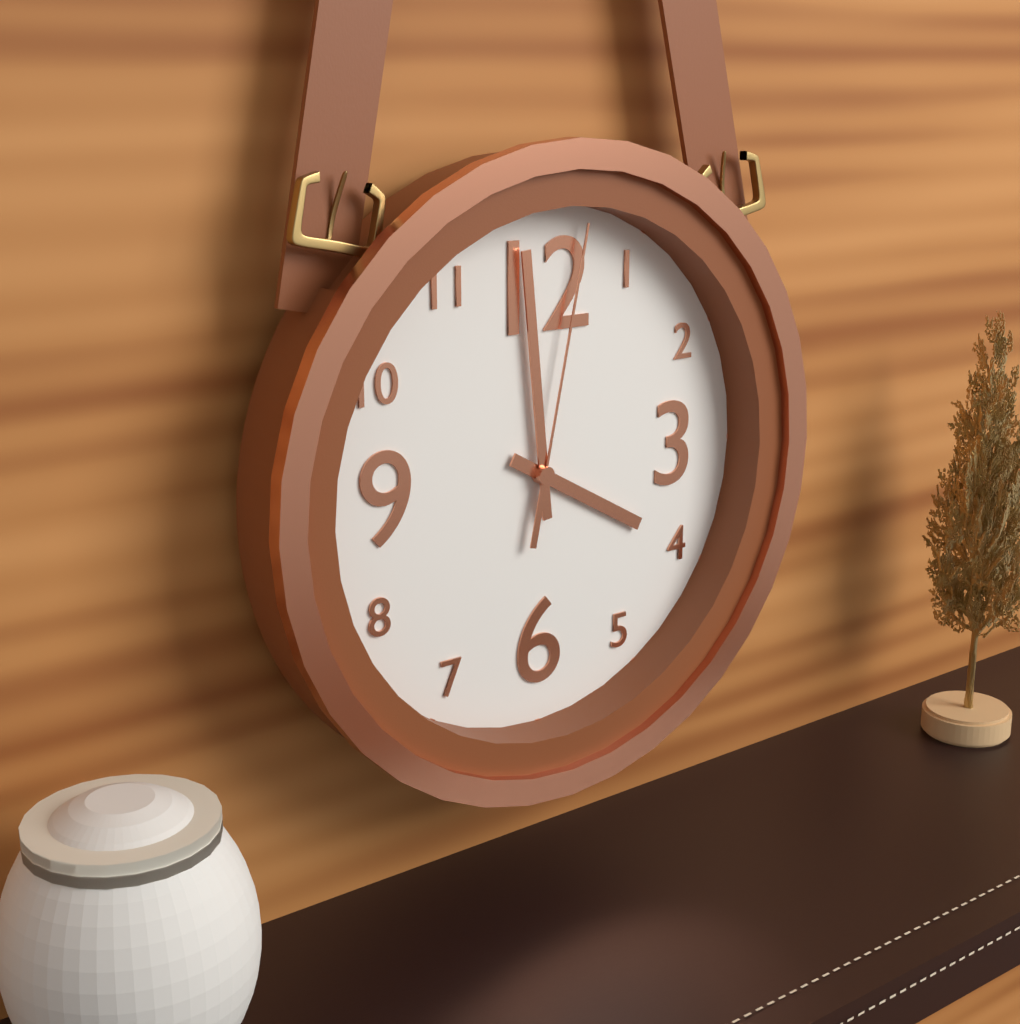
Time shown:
**3:59:02**
